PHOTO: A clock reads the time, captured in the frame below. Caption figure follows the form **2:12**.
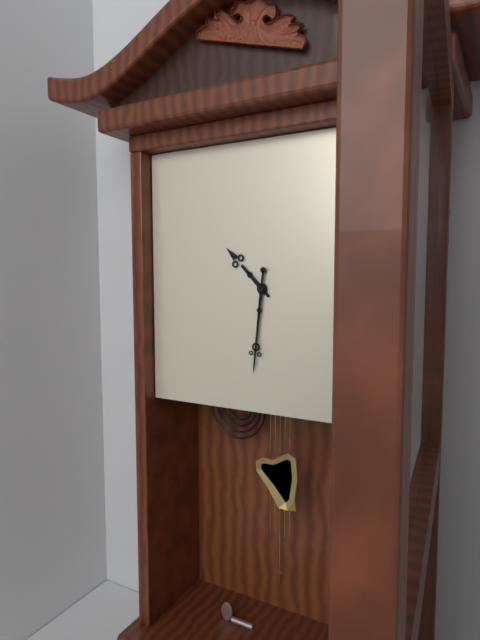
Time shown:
**10:31**
